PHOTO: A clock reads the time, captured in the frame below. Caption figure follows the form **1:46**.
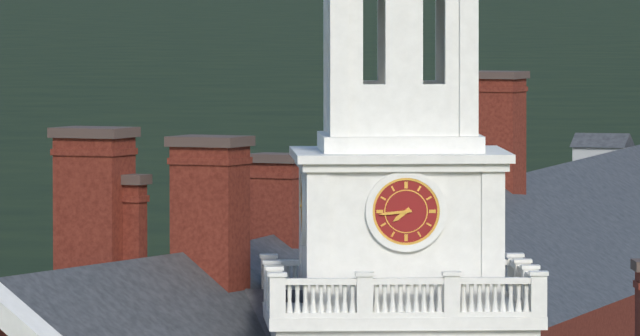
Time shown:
**7:44**
